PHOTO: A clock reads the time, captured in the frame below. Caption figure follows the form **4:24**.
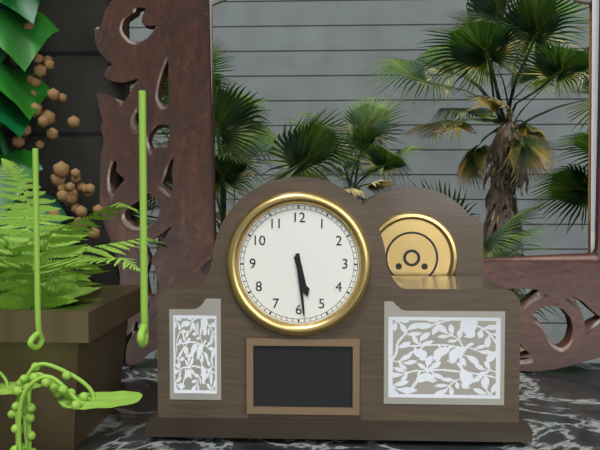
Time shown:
**5:29**
